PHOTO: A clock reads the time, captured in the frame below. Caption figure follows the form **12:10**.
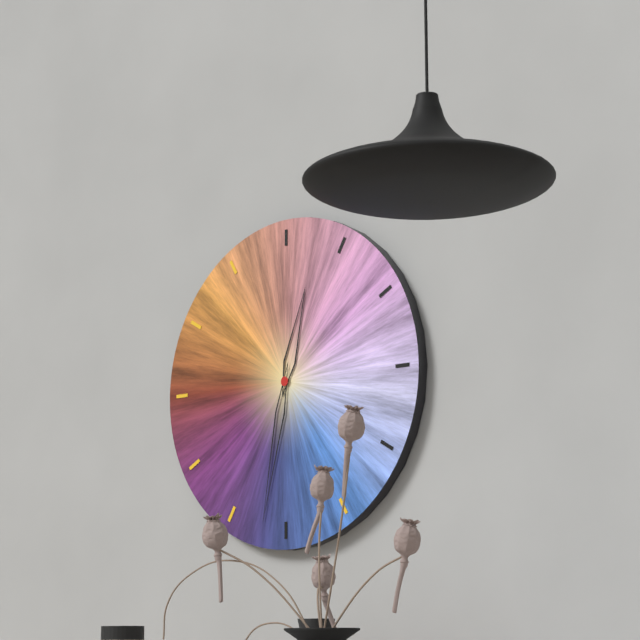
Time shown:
**12:32**
